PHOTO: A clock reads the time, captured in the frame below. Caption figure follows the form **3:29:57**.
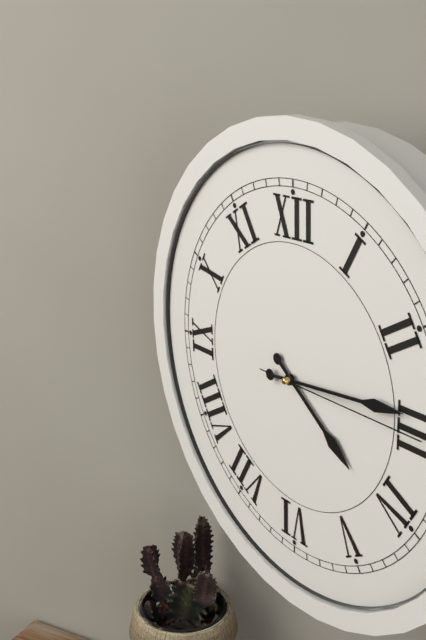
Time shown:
**4:14:15**
